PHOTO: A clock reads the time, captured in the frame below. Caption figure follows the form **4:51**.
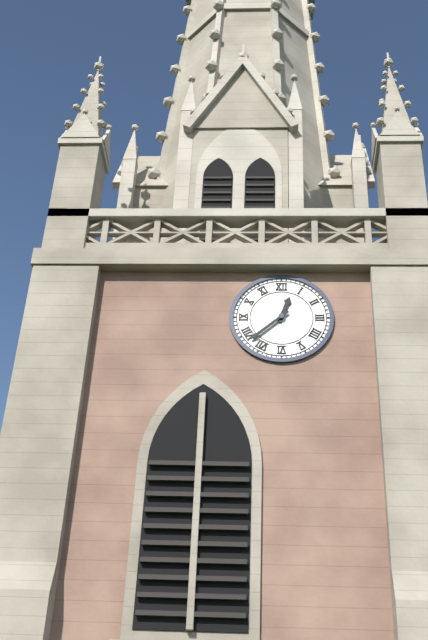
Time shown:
**12:38**
